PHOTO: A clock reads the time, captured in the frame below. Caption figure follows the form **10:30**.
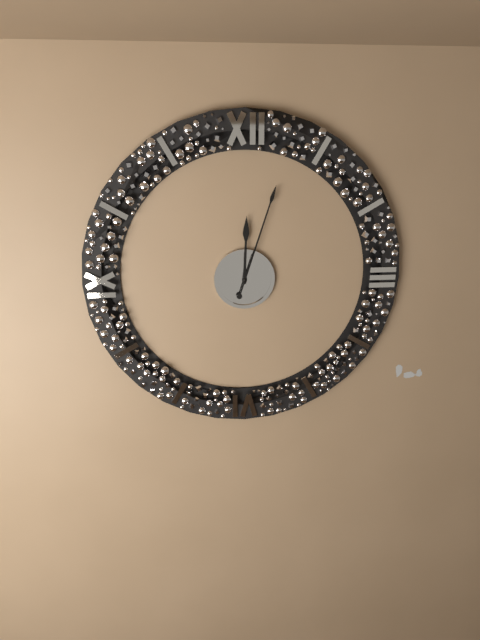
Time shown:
**12:03**
